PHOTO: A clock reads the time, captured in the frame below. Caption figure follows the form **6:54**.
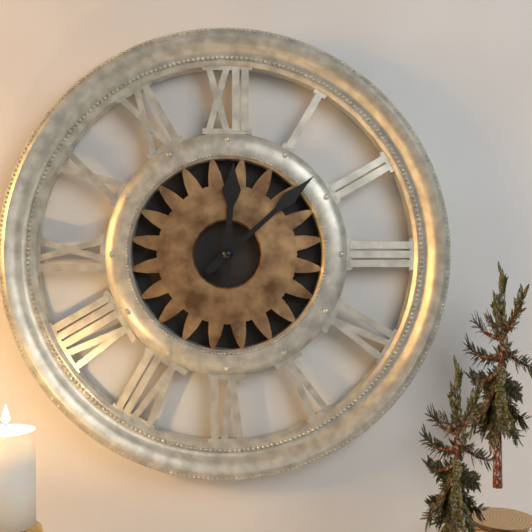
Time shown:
**12:08**
